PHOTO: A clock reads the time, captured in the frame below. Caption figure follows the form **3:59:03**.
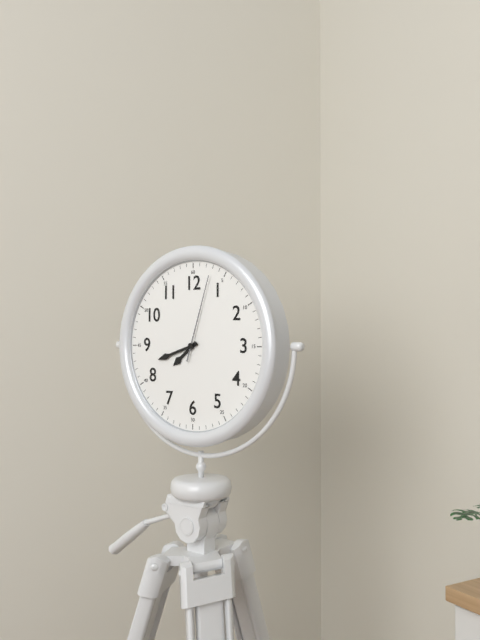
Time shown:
**7:42:03**
